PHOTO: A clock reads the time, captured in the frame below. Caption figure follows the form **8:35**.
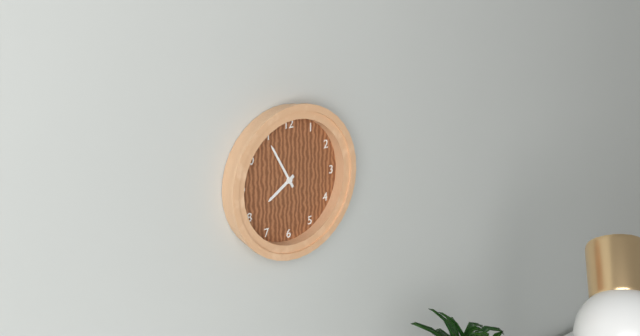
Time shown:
**7:55**
